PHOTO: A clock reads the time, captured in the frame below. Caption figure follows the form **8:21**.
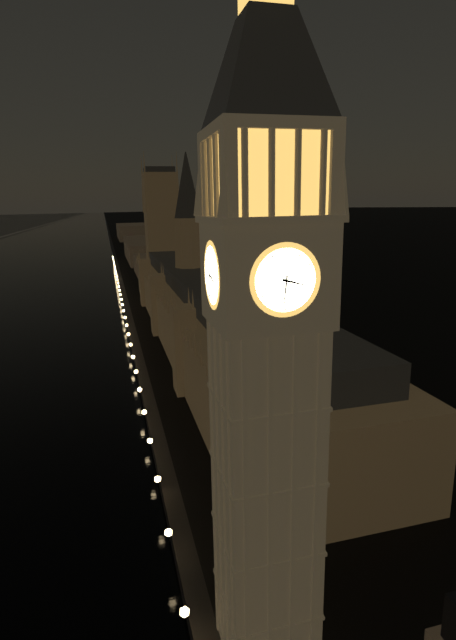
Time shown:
**3:31**
